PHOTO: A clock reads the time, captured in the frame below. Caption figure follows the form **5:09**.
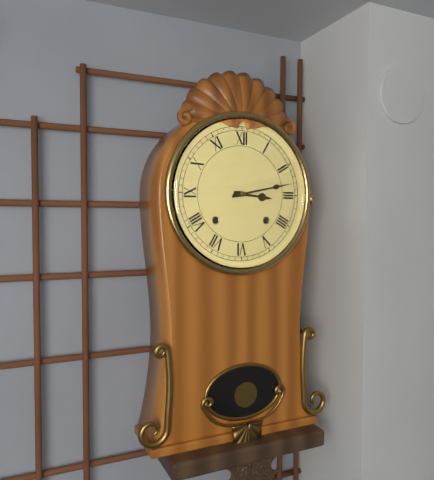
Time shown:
**3:13**
